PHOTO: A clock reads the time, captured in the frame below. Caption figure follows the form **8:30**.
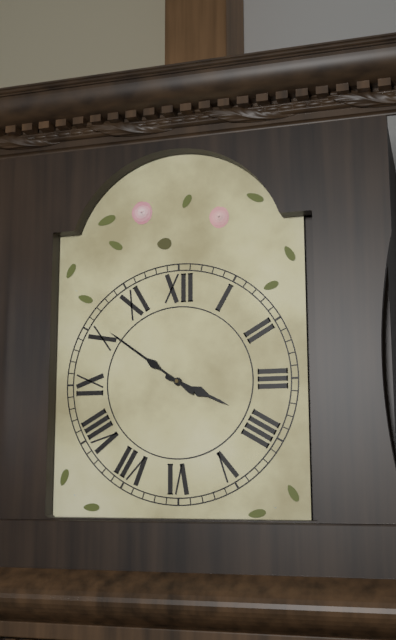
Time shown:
**3:51**
